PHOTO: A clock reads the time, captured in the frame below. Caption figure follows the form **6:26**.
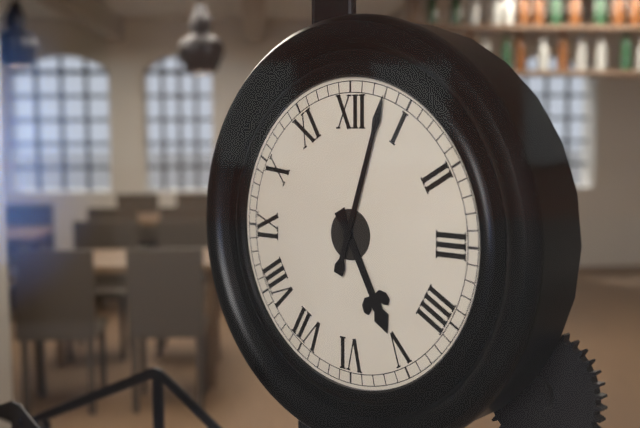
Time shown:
**5:03**
